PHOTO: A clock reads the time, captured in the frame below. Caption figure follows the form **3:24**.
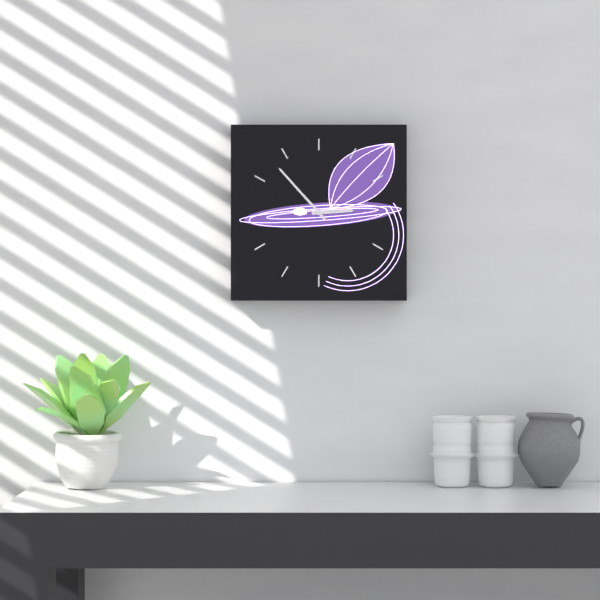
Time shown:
**2:53**
